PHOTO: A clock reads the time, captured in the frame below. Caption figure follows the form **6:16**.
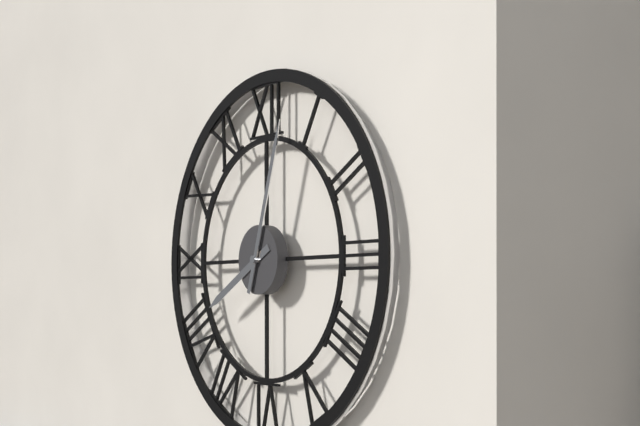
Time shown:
**8:03**
